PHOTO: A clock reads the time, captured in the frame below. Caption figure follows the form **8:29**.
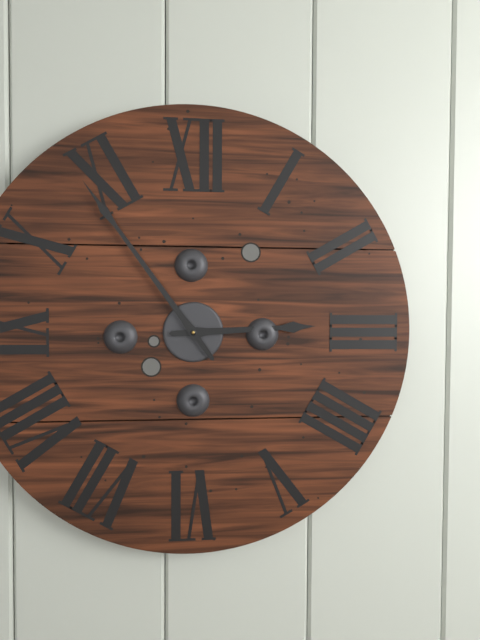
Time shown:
**2:54**
